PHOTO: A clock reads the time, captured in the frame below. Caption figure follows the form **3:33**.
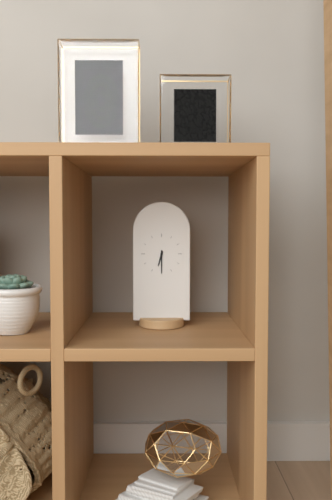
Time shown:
**6:30**
